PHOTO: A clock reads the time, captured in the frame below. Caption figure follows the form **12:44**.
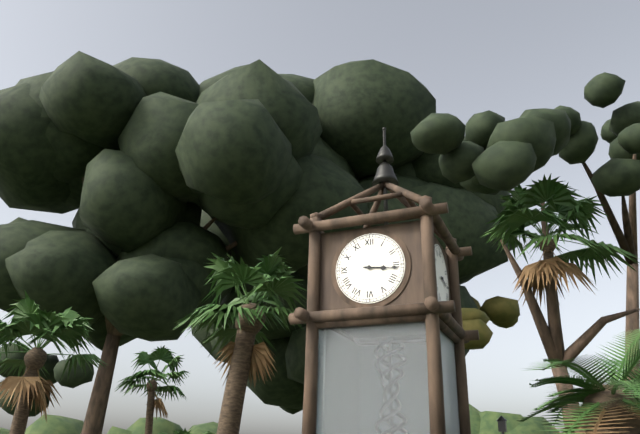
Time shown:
**3:16**
